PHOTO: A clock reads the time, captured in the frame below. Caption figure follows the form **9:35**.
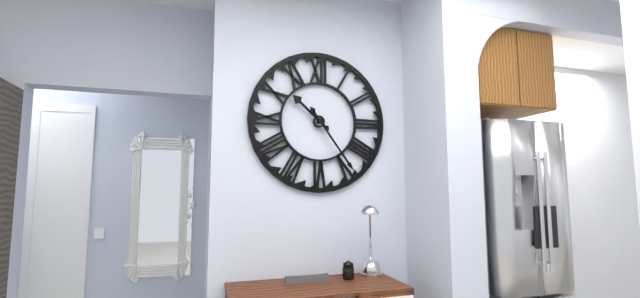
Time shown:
**10:24**
